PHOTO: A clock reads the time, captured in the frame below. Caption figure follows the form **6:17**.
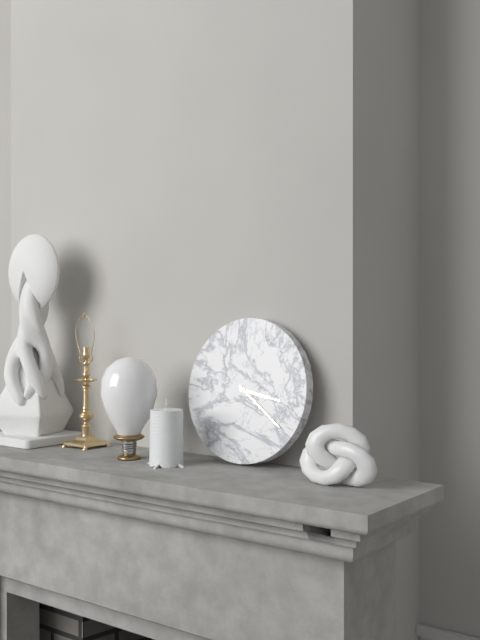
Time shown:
**3:21**
